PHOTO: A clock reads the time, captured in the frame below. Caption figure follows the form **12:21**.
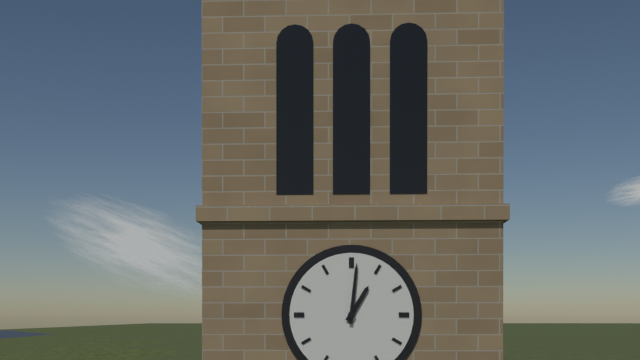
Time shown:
**1:01**
